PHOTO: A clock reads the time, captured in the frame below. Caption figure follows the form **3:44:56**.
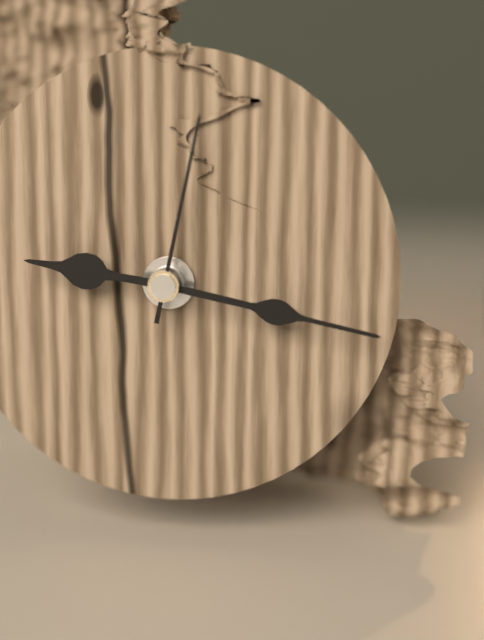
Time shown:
**9:17:02**
